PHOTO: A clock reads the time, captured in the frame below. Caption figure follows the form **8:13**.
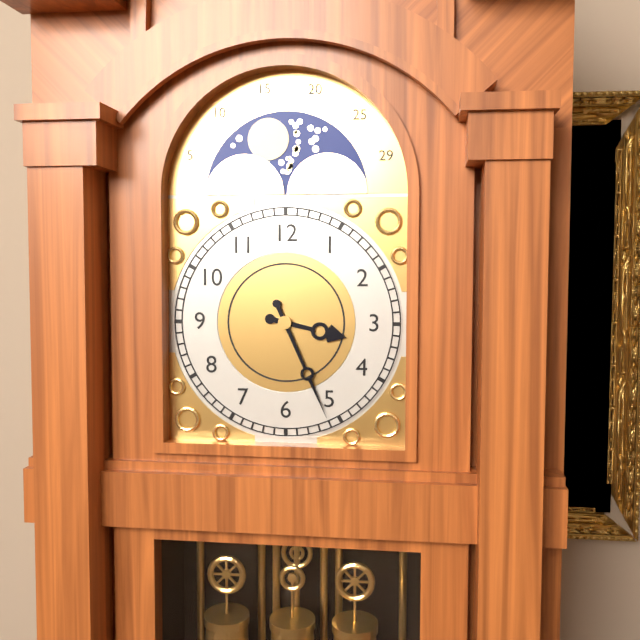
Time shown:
**3:26**
